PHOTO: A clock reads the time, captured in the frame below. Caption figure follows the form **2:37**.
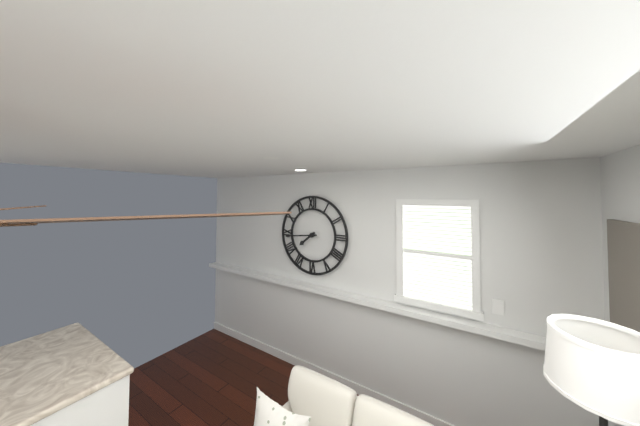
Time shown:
**7:44**
